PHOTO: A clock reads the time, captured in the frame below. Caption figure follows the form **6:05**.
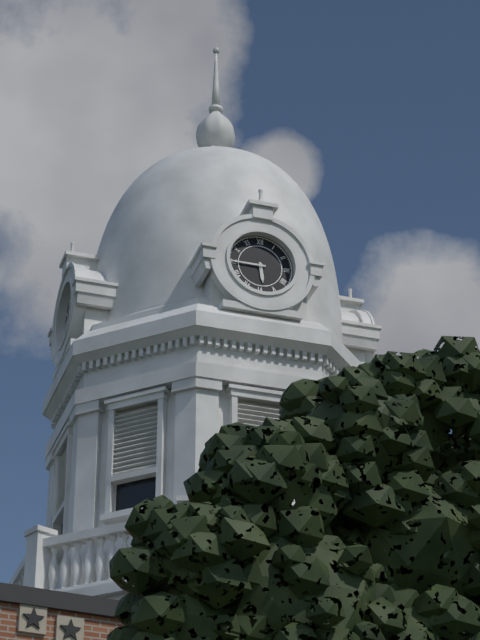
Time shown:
**5:45**
